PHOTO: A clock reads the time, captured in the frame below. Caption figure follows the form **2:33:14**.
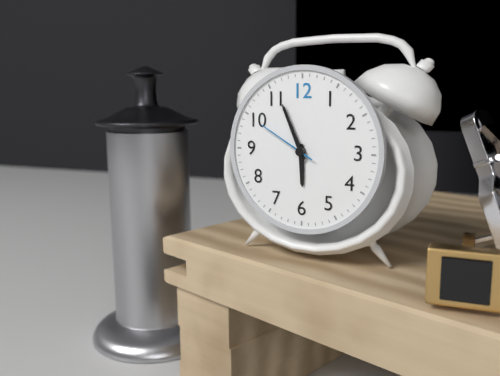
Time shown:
**5:56:50**
